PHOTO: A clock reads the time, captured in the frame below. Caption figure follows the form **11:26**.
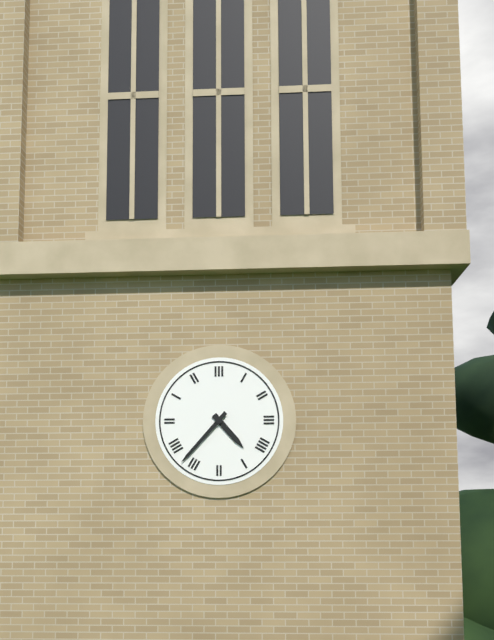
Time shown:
**4:37**
